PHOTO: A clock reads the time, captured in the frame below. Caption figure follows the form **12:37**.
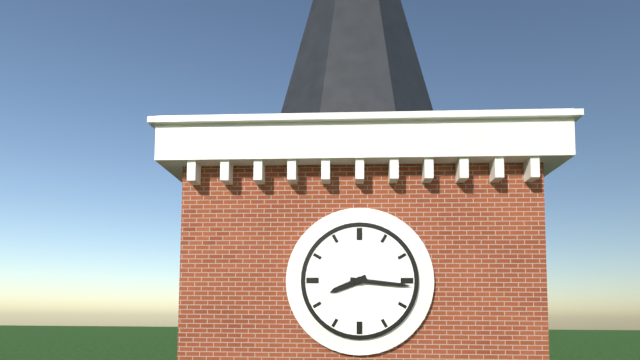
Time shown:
**8:16**
